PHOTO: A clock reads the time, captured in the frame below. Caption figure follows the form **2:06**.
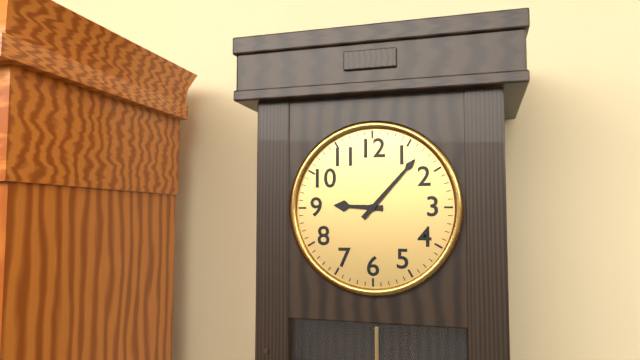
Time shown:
**9:07**
